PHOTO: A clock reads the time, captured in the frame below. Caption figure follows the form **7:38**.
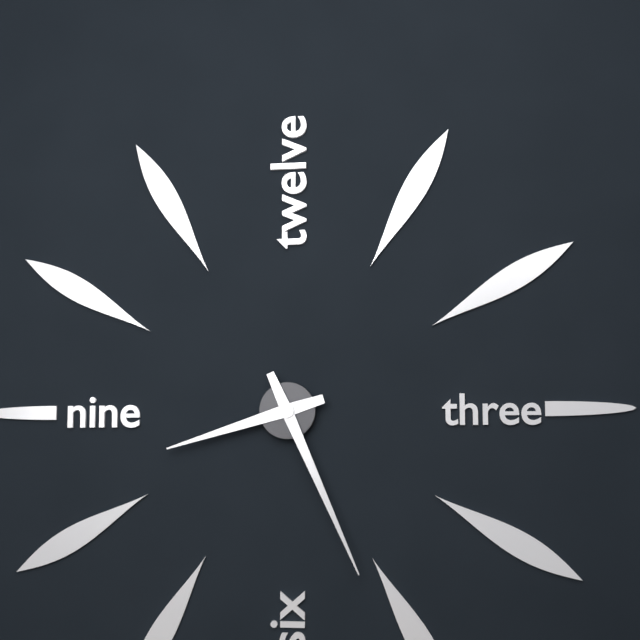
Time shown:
**8:26**
